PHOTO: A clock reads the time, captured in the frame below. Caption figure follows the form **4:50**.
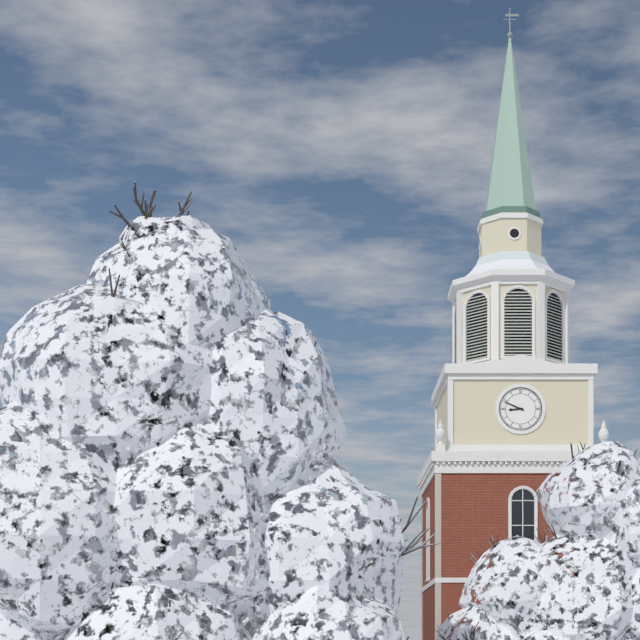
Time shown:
**8:49**
